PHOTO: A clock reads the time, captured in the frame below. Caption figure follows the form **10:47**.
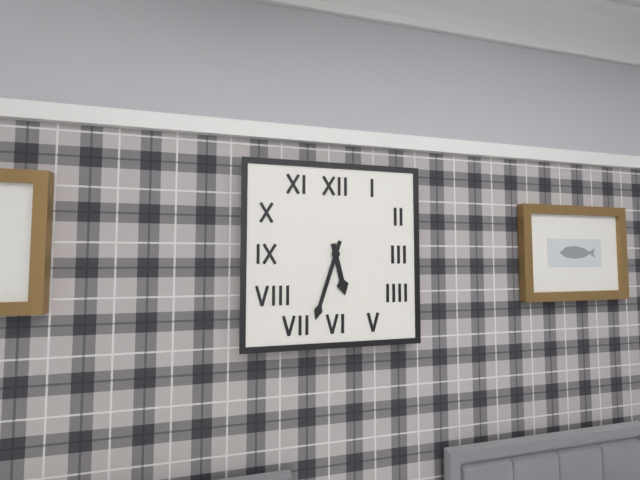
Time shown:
**5:33**
